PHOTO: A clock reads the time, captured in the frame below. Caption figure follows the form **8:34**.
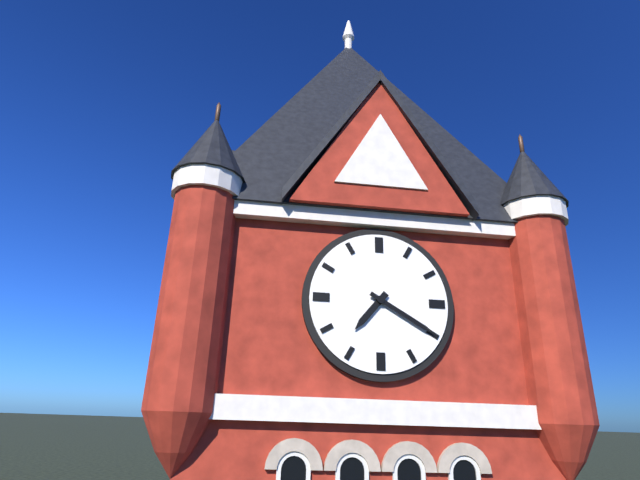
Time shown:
**7:20**
